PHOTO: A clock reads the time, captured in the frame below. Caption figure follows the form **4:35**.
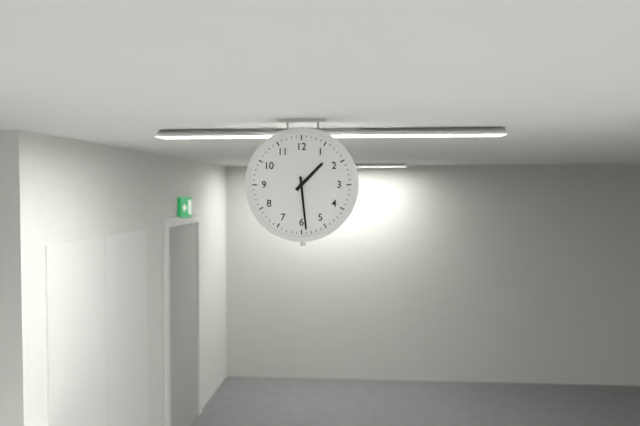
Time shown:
**1:29**
